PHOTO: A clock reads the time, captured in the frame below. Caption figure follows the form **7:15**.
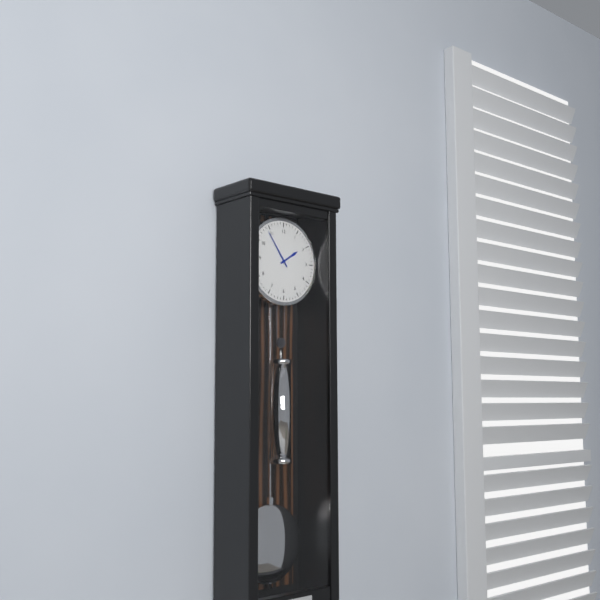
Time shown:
**1:54**
